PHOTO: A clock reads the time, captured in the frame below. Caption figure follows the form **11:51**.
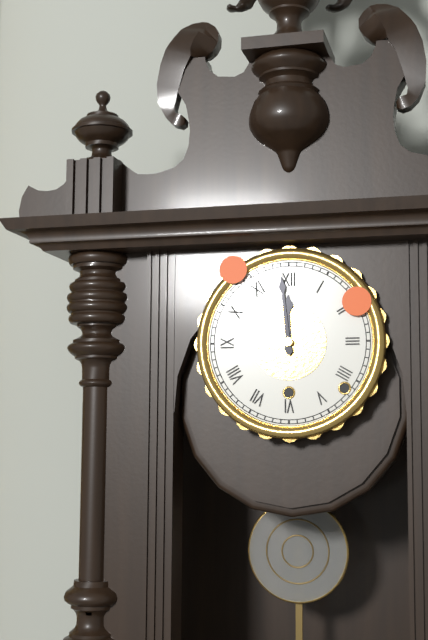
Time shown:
**11:59**
